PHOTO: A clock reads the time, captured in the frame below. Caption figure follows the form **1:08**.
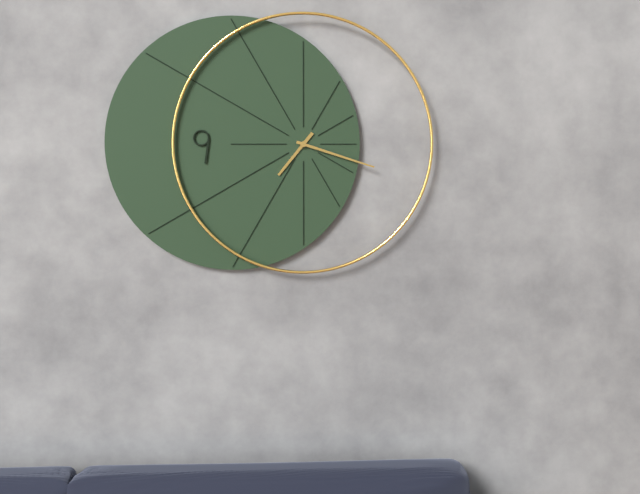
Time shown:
**7:18**
